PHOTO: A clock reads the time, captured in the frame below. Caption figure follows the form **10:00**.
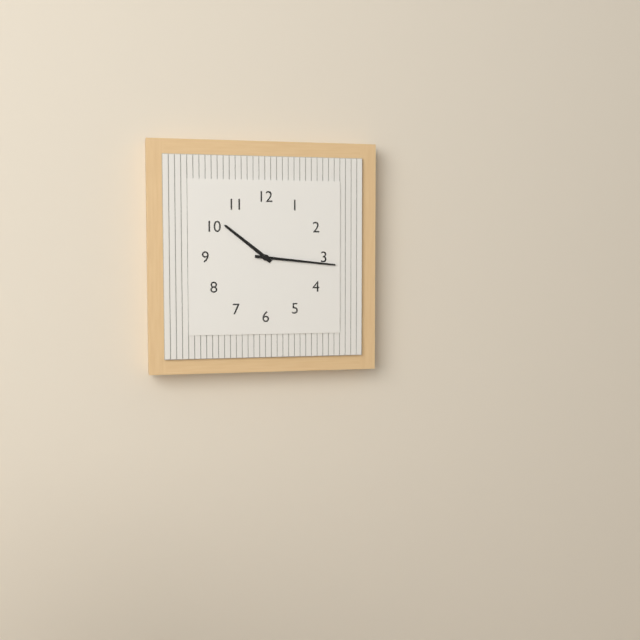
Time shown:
**10:16**
